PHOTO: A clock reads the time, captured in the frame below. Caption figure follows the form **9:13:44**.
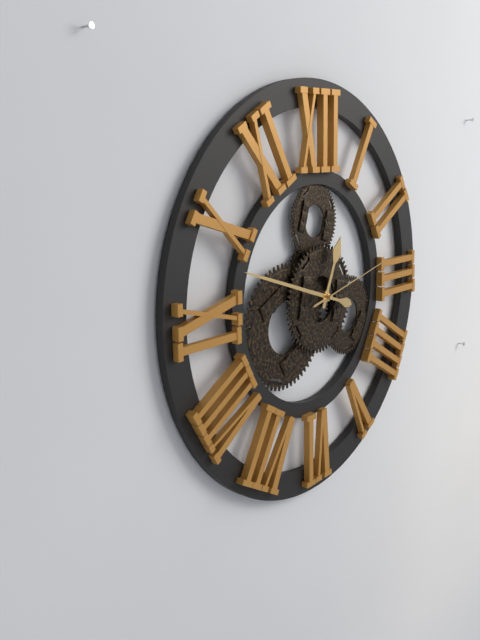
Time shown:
**12:48:13**
